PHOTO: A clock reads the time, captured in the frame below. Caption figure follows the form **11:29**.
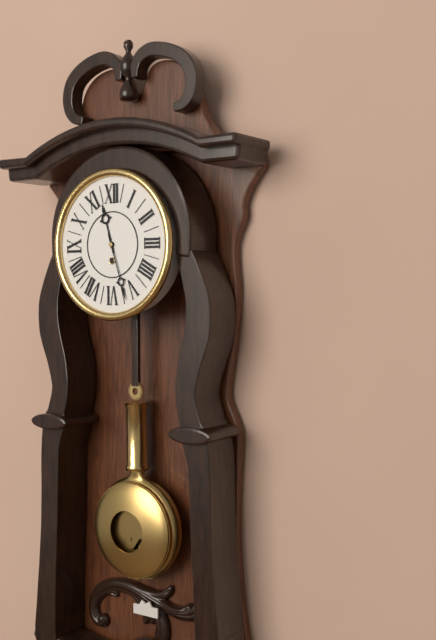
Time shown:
**11:27**
